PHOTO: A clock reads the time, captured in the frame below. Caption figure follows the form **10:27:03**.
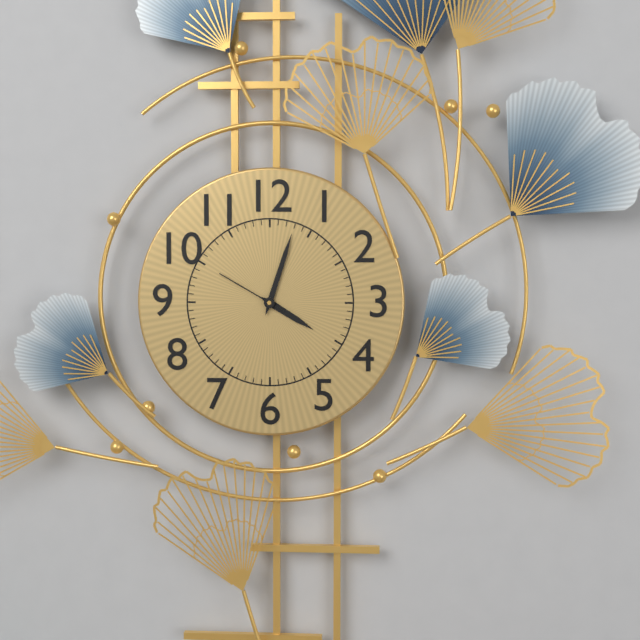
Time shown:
**4:03:50**
